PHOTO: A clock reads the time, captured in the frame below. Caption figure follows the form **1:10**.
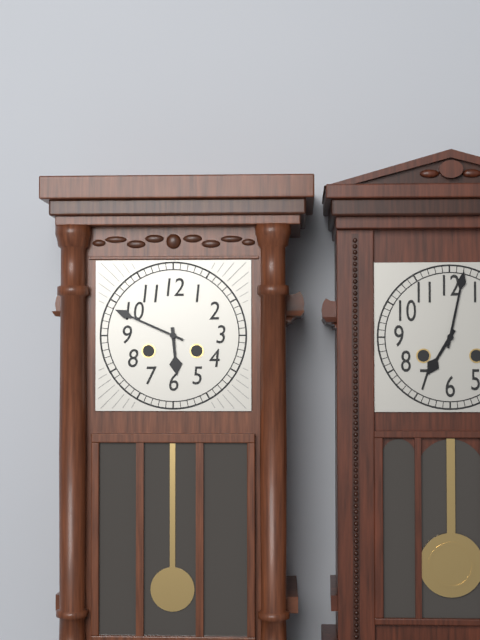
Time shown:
**5:49**
